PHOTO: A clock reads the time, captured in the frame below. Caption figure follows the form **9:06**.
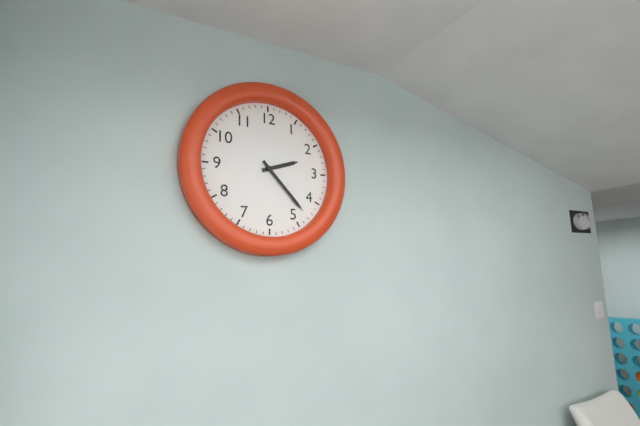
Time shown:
**2:23**
